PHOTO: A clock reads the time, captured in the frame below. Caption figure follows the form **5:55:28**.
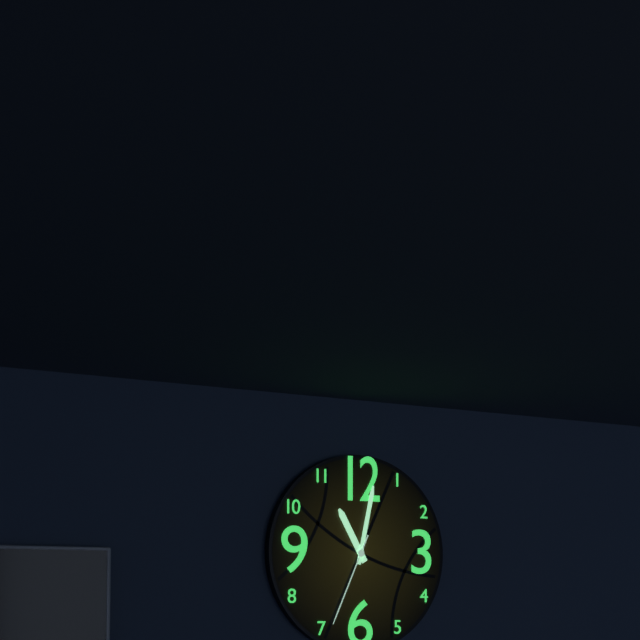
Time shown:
**11:02:34**
